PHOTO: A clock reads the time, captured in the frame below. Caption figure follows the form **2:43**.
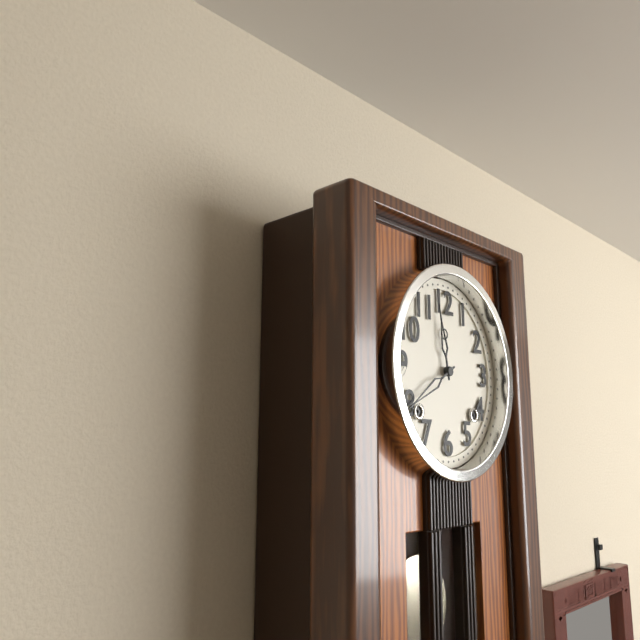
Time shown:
**11:40**
